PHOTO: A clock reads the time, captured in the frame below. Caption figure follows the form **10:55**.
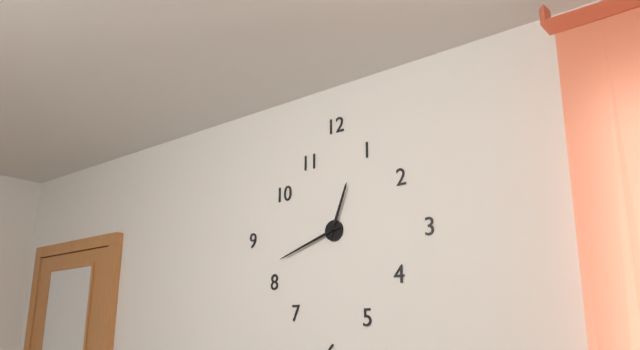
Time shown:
**12:42**
